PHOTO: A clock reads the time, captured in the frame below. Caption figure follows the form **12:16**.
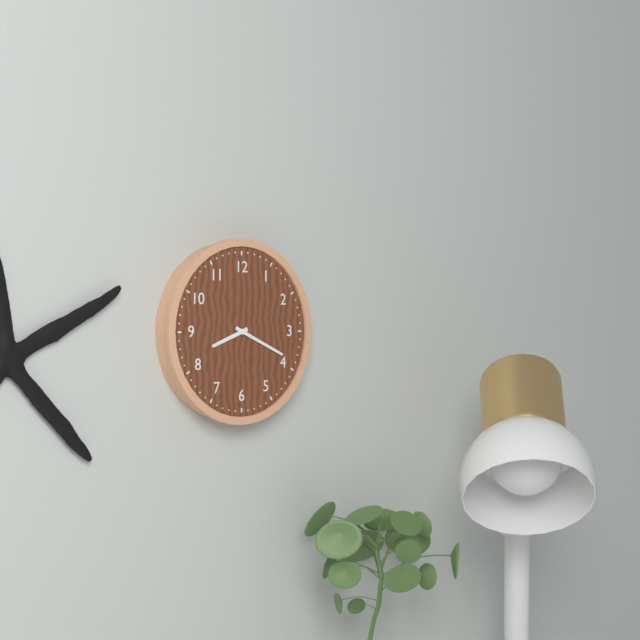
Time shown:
**8:19**
